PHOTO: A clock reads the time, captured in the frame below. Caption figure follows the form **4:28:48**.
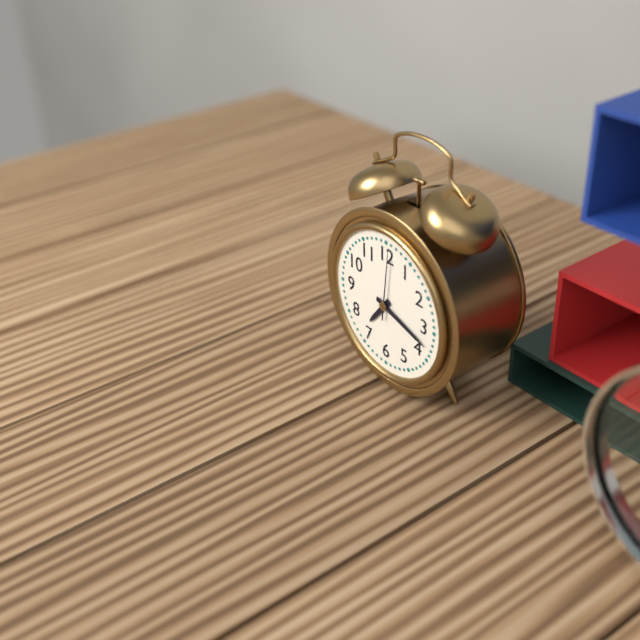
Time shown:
**7:18:01**
